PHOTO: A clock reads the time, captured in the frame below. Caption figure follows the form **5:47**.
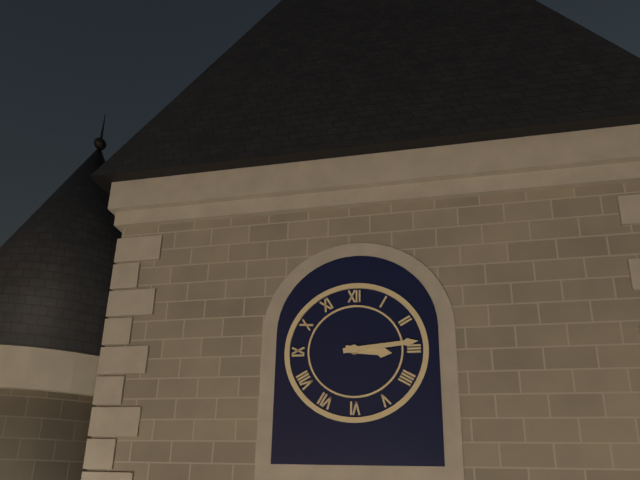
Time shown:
**3:14**
